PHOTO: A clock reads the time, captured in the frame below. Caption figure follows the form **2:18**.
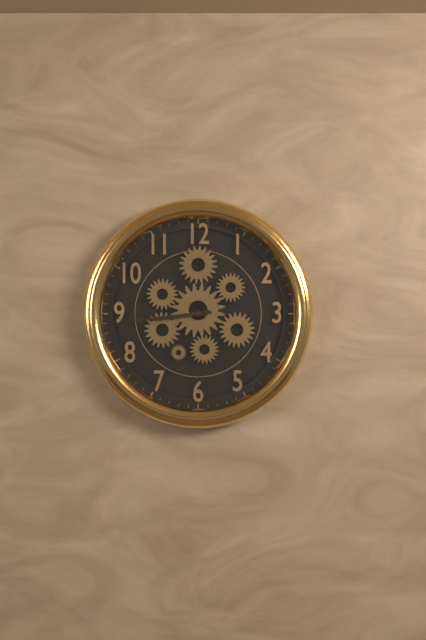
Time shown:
**8:44**
